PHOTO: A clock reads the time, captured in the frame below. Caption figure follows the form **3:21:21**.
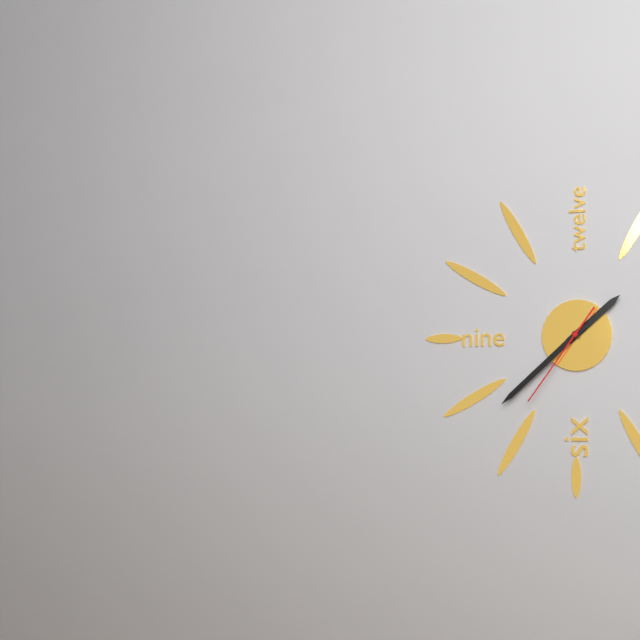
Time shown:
**1:38:36**
